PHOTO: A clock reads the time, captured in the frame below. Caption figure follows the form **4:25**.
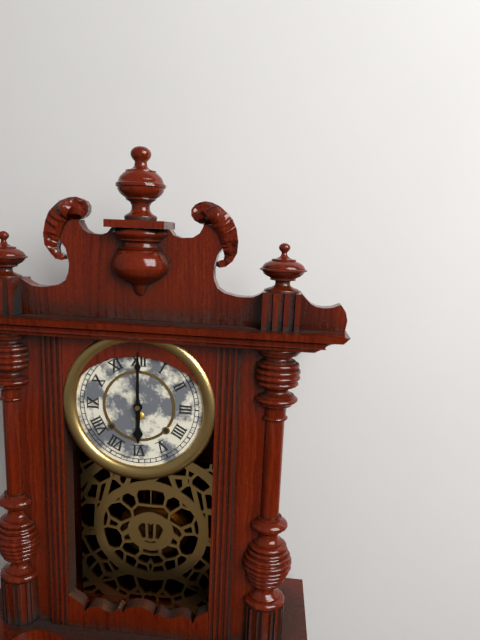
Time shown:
**6:00**
